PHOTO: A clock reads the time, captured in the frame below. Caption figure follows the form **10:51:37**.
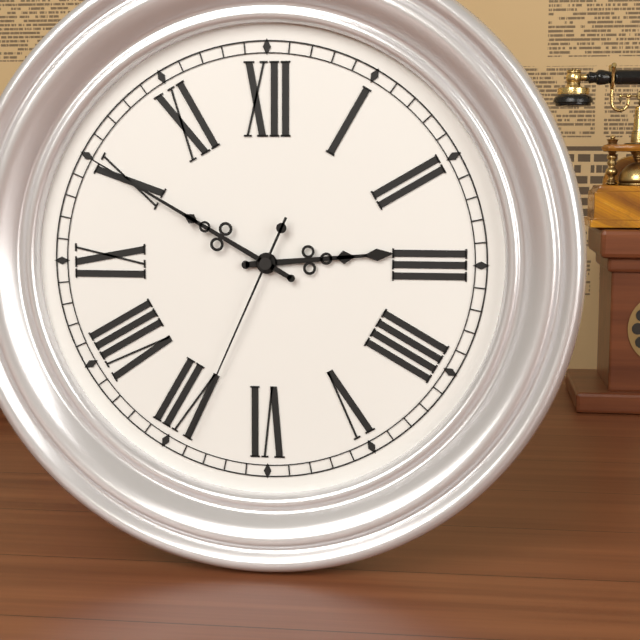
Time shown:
**2:50:34**
